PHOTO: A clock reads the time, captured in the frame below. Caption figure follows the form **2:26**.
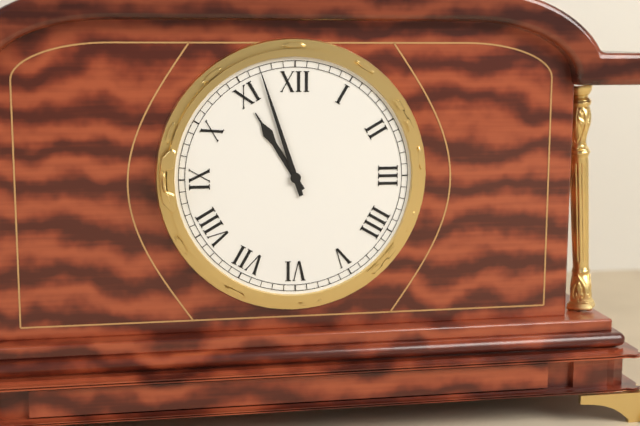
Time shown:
**10:57**
